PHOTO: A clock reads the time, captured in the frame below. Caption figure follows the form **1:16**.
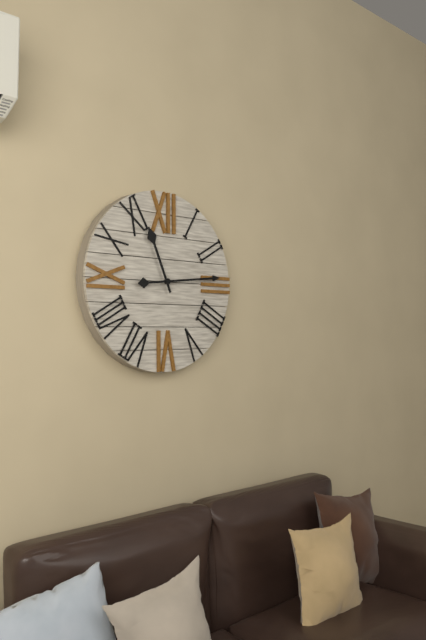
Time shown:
**11:14**
